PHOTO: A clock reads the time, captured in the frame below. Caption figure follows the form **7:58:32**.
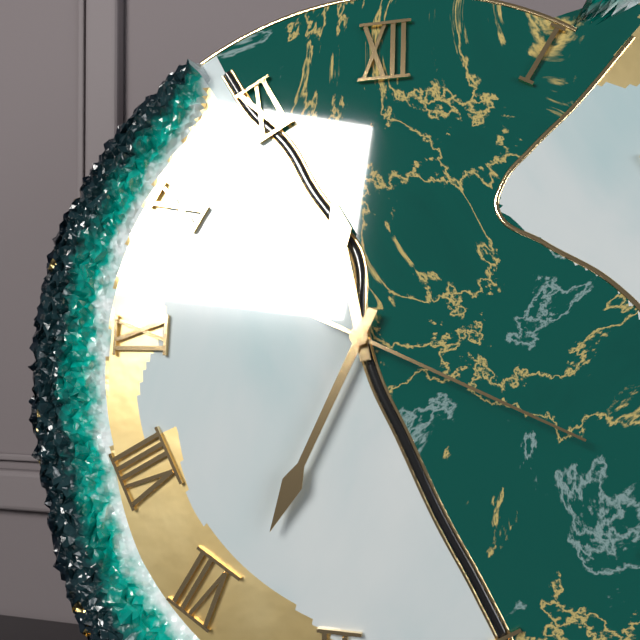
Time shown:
**11:34:19**
